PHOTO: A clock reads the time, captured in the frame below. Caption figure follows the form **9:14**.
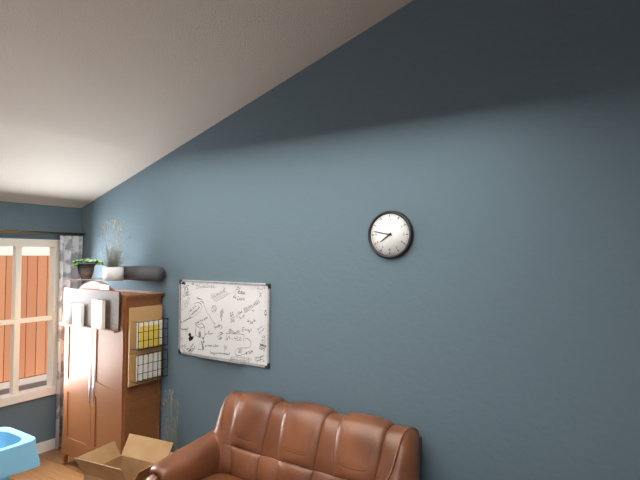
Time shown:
**7:47**
